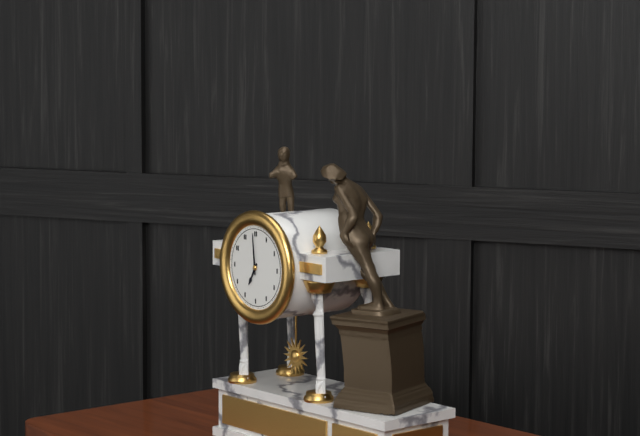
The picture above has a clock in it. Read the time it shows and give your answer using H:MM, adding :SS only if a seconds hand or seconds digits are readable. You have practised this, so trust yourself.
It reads 6:59
